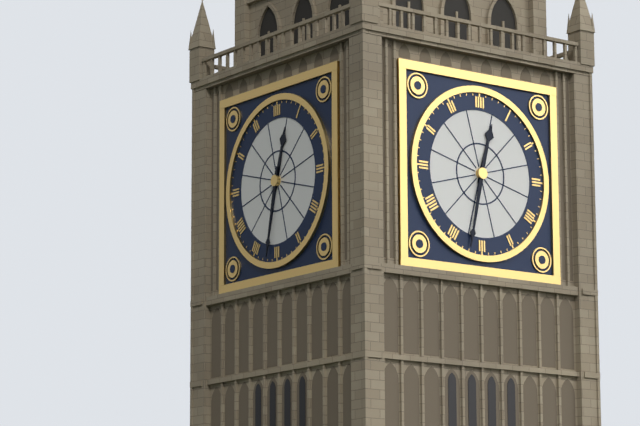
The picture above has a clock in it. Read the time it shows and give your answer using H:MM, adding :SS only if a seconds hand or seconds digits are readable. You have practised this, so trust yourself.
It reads 12:32
